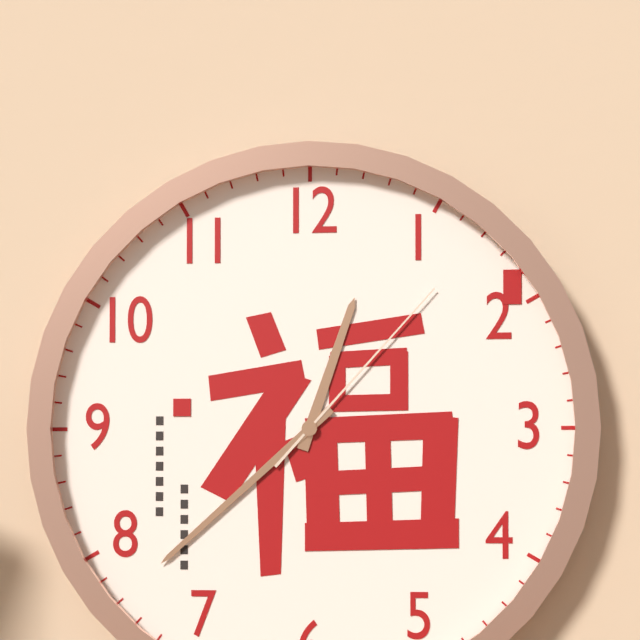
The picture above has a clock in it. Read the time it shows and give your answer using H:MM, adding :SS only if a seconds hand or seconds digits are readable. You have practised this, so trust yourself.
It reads 12:38:07
